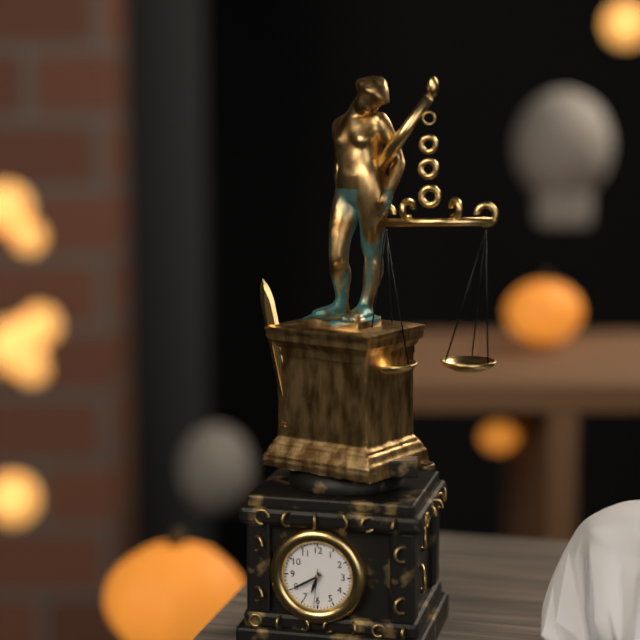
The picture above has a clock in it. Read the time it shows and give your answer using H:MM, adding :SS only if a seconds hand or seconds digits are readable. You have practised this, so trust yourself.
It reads 6:40
